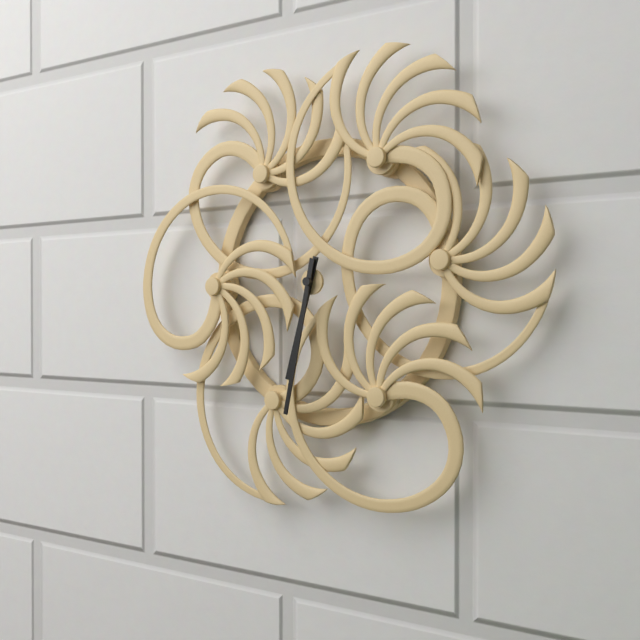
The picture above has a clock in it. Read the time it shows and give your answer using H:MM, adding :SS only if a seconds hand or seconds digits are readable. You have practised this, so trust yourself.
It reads 6:32
